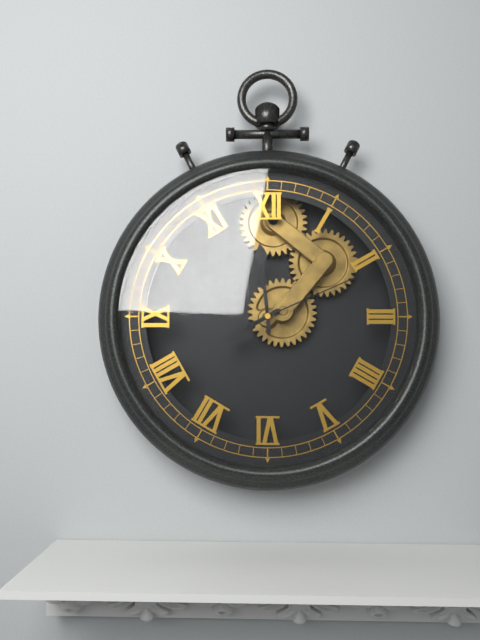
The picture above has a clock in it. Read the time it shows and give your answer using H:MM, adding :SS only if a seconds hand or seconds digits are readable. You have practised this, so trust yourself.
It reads 7:59:11
